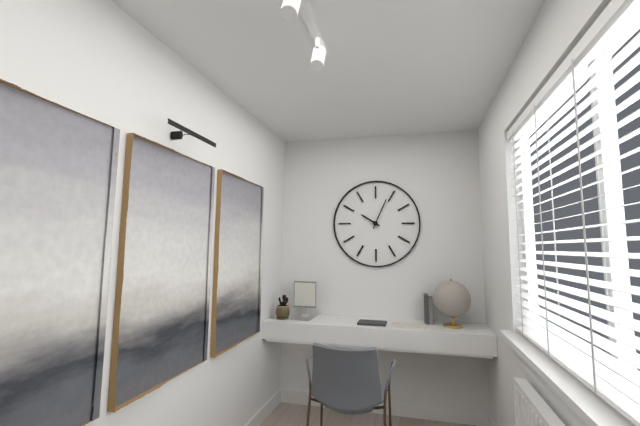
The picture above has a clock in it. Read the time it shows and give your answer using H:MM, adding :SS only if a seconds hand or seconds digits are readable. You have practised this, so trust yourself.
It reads 10:04
